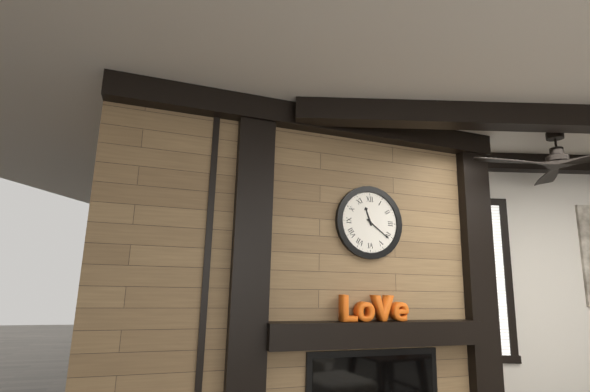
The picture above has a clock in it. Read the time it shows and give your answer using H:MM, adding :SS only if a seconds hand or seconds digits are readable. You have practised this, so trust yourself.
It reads 11:21
